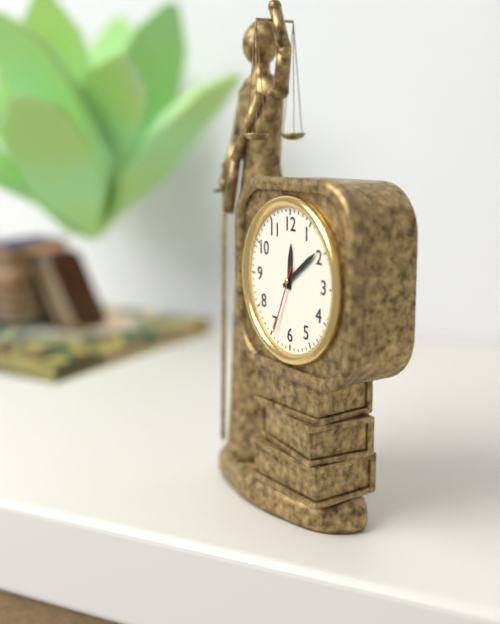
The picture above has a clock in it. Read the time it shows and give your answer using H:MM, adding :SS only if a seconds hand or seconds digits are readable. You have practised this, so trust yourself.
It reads 12:09:34
